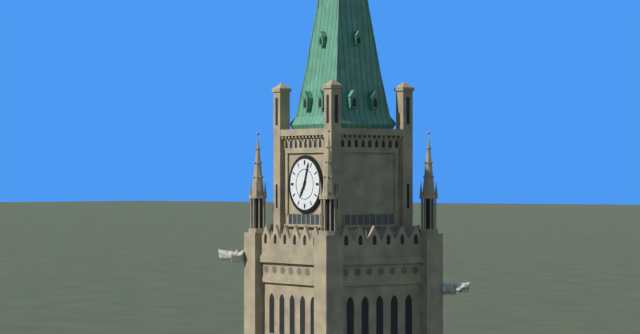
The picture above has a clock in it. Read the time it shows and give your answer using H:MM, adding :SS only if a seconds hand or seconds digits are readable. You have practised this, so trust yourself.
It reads 7:03
